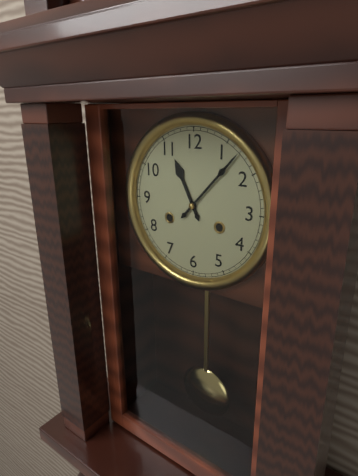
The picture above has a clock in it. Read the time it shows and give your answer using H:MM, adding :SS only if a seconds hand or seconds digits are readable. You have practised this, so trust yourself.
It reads 11:07
